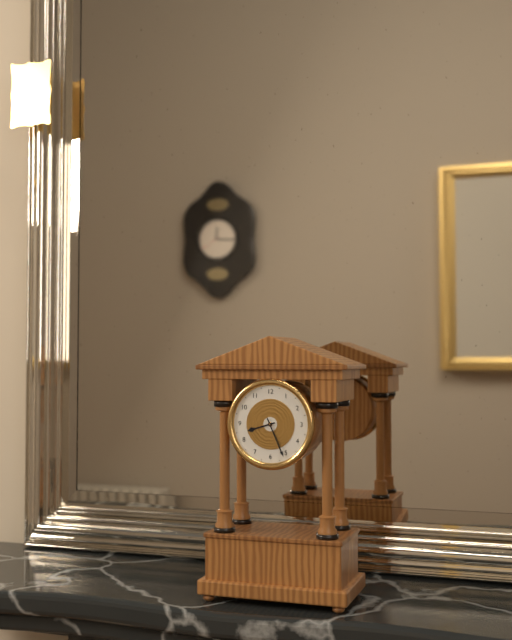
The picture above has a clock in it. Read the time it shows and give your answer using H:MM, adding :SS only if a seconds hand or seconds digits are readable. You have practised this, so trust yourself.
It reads 8:26
